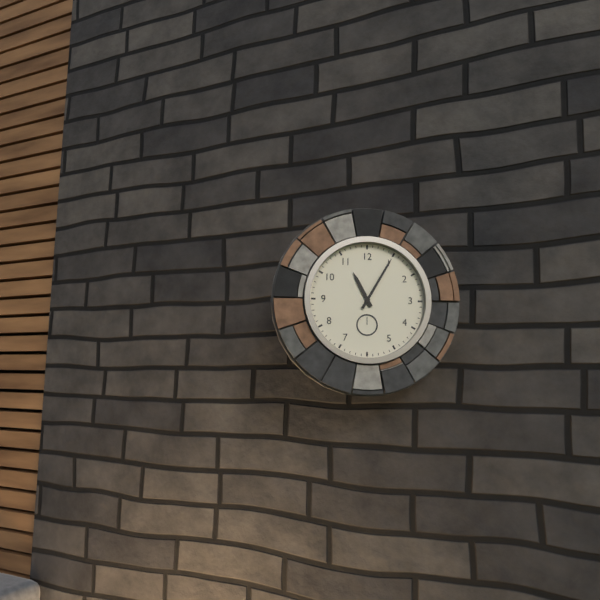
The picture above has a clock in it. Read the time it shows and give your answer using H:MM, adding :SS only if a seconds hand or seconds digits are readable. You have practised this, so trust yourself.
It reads 11:05
